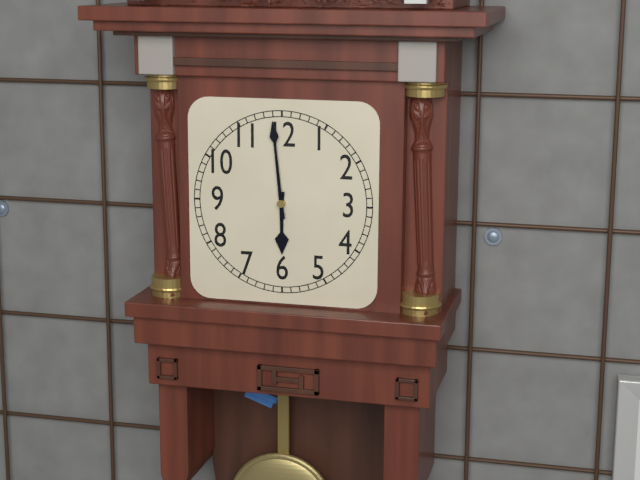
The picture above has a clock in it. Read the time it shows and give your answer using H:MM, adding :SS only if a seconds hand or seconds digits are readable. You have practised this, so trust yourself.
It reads 5:59
